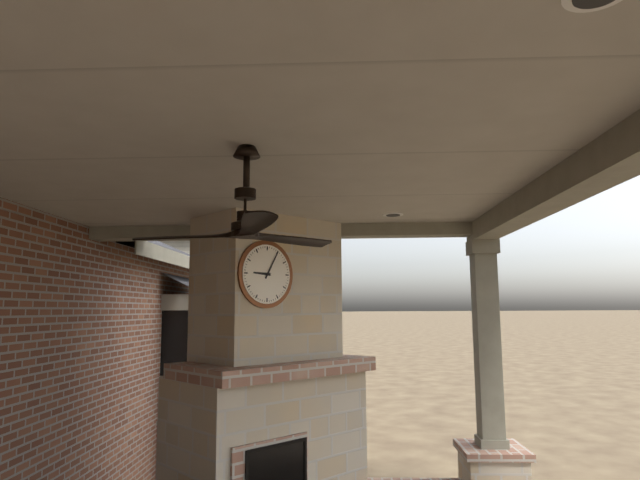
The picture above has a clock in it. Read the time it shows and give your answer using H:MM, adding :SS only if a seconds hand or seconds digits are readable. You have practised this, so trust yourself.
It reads 9:05
